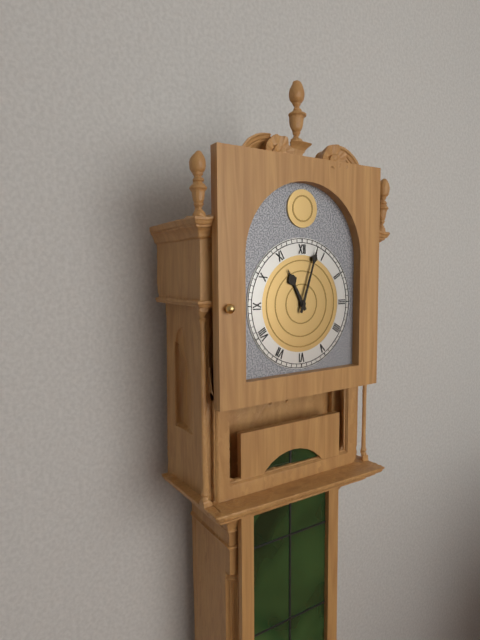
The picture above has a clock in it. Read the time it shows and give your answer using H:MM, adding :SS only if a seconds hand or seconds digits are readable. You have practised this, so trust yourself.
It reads 11:03
